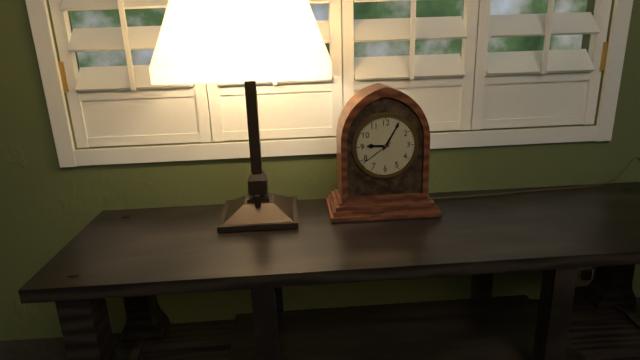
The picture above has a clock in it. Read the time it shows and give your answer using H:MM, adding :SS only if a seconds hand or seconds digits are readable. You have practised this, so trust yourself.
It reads 9:05
